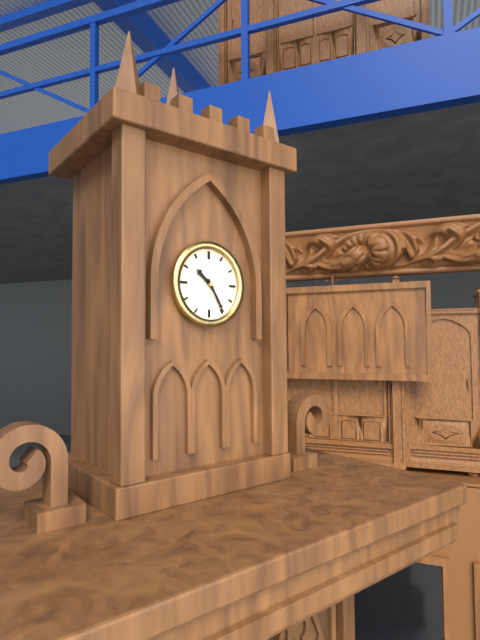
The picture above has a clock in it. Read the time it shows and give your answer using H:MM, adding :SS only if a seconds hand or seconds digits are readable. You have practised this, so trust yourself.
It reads 10:25
